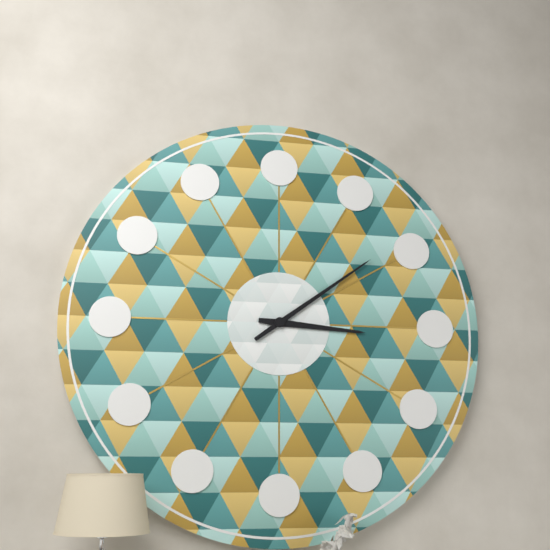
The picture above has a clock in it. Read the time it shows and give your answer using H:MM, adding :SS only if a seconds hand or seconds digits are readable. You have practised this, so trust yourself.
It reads 3:09
